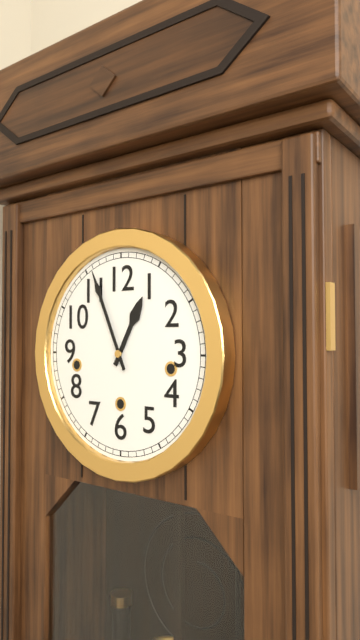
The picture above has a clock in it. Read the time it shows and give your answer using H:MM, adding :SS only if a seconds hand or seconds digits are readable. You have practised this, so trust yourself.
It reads 12:56
